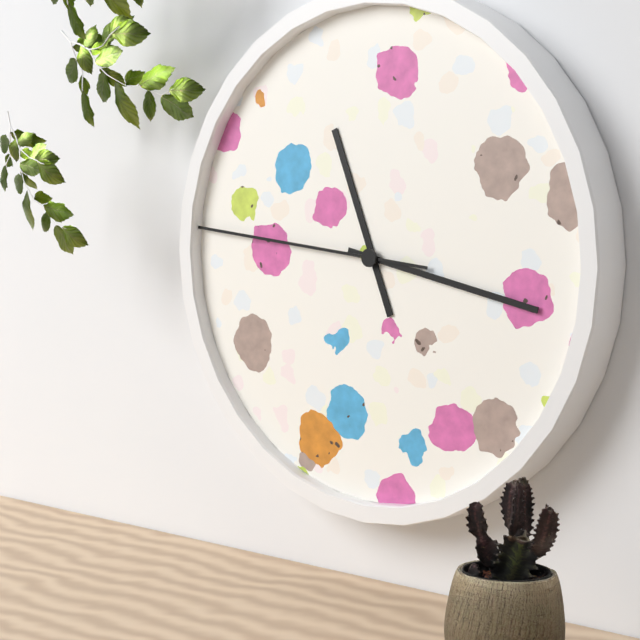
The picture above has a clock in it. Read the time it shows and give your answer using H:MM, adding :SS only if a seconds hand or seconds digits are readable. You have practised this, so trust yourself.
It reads 11:17:46
